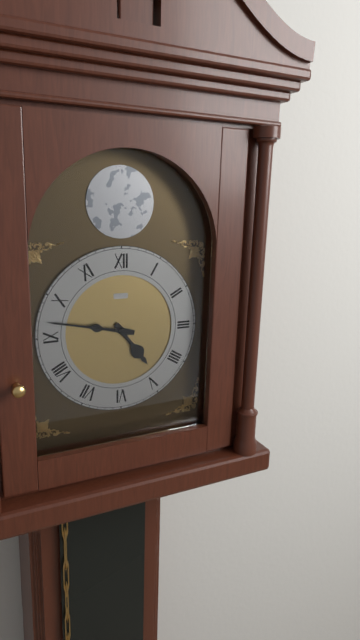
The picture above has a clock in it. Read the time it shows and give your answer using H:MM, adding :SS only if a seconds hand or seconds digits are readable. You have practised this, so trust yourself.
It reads 4:47
